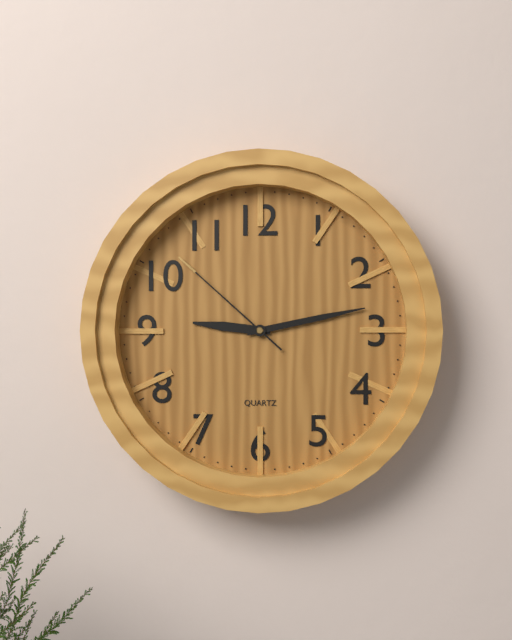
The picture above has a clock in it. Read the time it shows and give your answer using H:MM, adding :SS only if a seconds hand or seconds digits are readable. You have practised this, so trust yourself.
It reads 9:13:52
